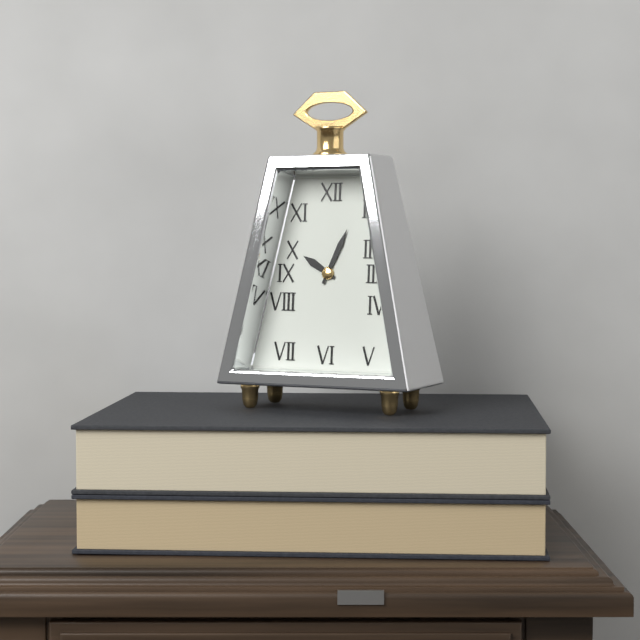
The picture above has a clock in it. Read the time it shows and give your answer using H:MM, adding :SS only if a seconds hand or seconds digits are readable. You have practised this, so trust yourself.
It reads 10:04
